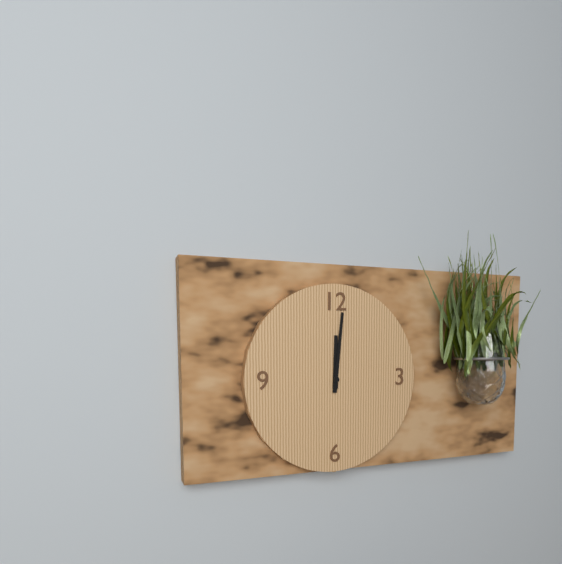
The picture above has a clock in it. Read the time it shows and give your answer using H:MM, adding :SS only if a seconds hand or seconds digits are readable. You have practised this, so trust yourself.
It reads 12:01
